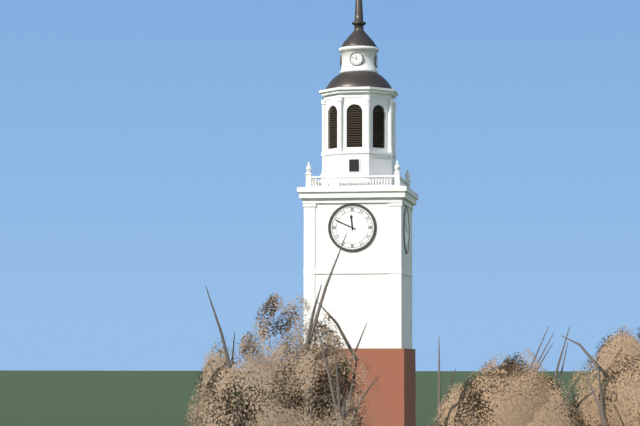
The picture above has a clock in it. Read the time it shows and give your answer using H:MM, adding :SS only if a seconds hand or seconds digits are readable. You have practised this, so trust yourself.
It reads 11:49
